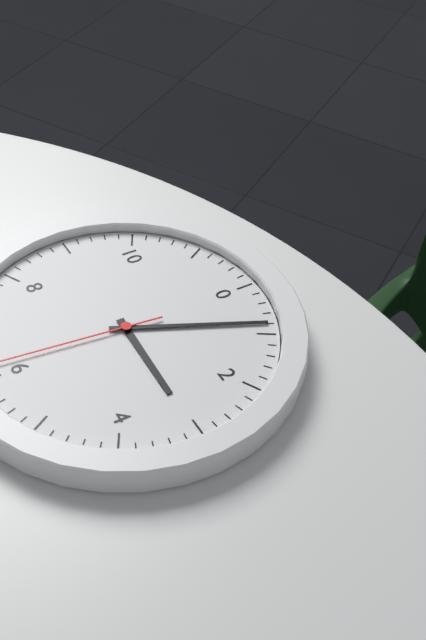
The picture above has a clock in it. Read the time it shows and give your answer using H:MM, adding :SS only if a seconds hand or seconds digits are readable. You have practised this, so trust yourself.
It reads 3:04
